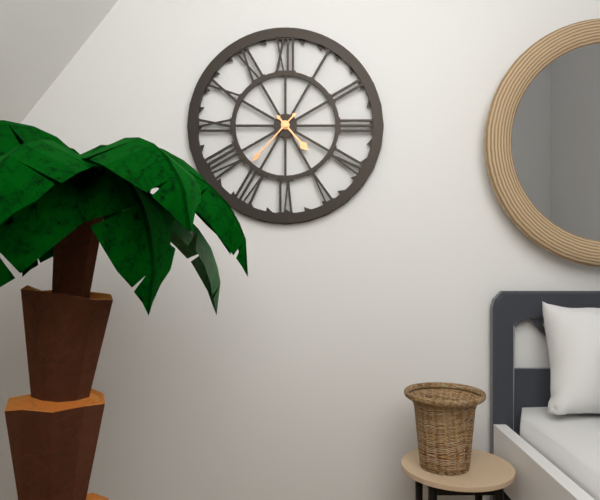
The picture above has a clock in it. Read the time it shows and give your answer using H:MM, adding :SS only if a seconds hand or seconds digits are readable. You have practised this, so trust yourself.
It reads 4:37
